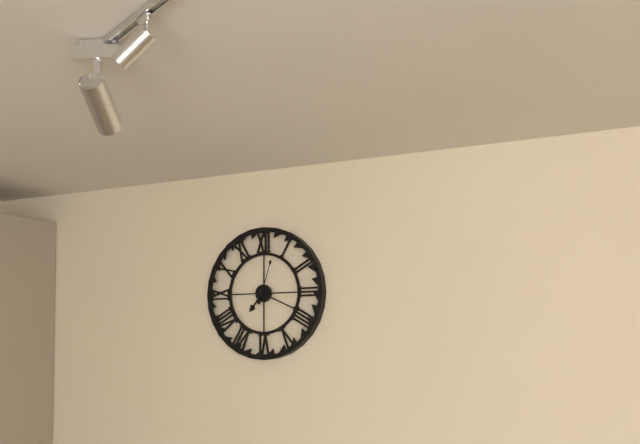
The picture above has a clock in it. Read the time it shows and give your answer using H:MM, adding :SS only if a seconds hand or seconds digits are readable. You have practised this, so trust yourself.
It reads 7:19
